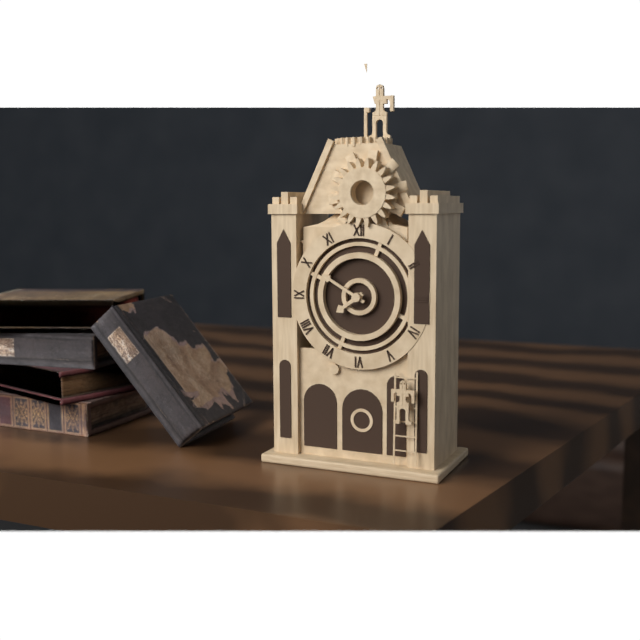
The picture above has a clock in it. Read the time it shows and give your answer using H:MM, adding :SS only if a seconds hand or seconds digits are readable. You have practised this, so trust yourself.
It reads 7:50
